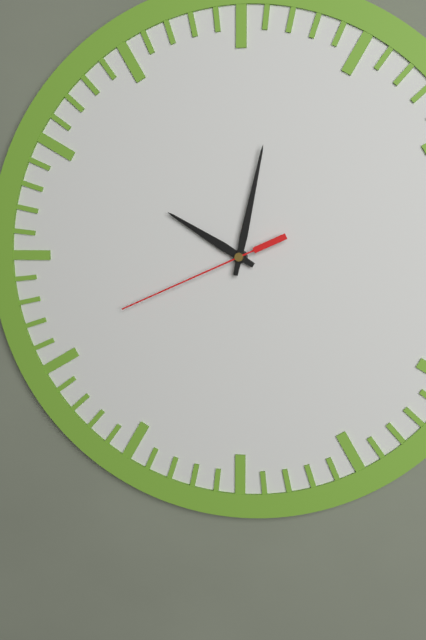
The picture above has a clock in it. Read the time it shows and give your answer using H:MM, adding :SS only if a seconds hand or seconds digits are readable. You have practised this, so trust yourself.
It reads 10:02:41
